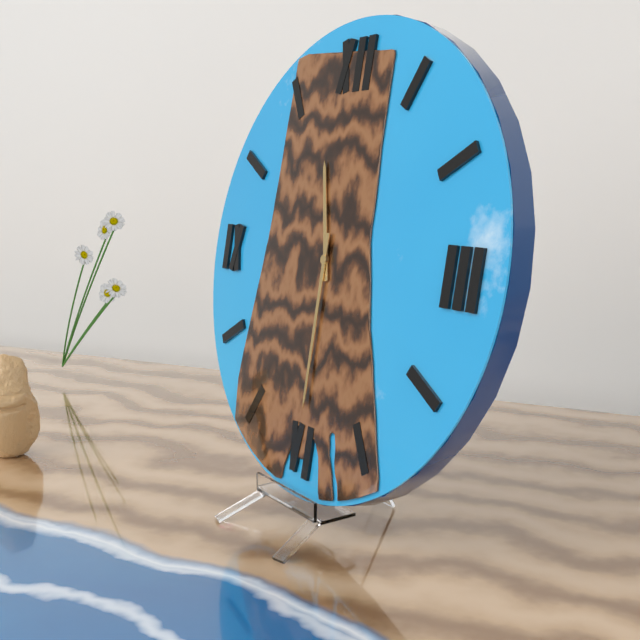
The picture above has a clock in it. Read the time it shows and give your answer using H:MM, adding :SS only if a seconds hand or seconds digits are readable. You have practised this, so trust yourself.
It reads 11:30
